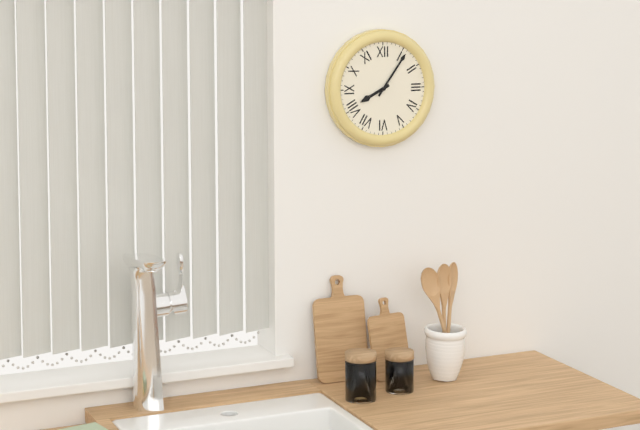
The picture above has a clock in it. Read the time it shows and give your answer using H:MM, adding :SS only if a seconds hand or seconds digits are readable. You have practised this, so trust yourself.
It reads 8:06
